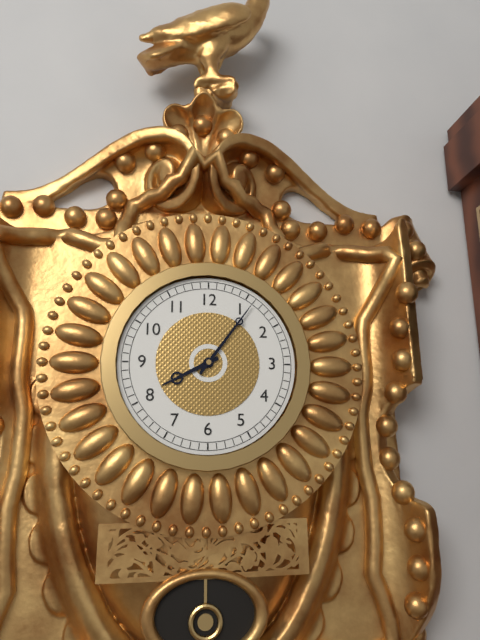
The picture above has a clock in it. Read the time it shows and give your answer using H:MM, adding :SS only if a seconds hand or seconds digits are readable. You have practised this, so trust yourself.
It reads 8:06
